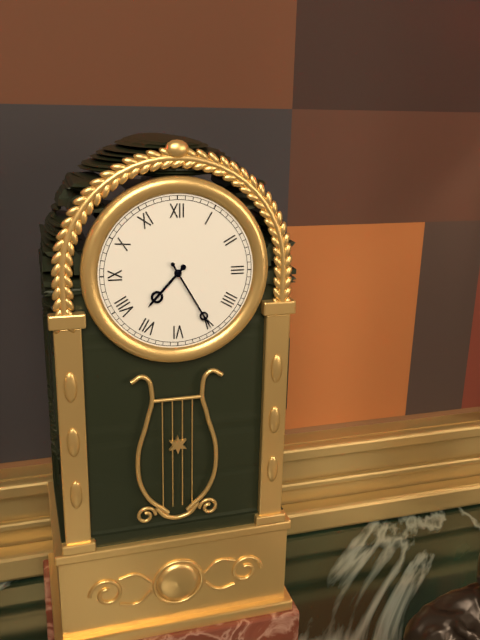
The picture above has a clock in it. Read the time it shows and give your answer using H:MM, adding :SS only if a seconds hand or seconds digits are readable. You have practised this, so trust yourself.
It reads 7:25
